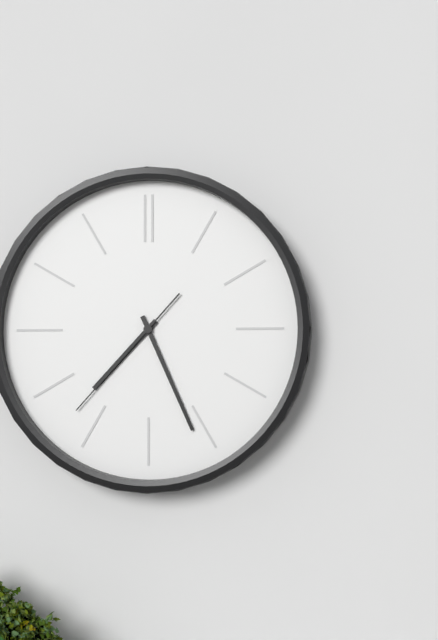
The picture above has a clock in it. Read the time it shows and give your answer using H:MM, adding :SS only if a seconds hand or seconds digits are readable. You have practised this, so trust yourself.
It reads 7:26:37
